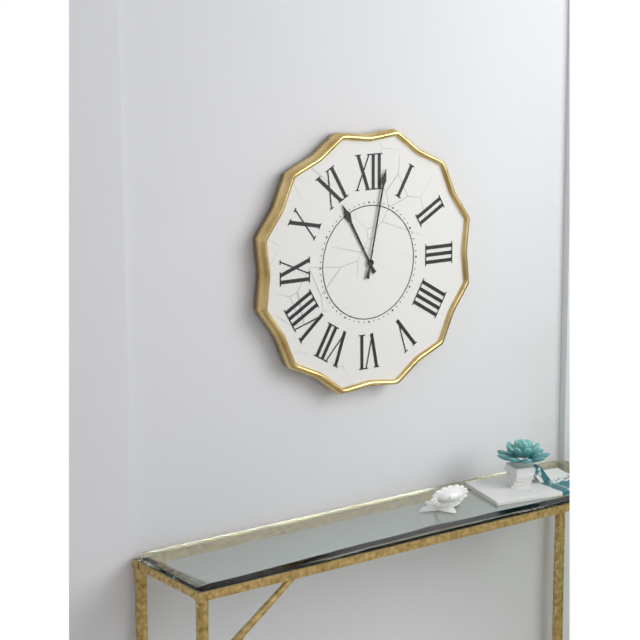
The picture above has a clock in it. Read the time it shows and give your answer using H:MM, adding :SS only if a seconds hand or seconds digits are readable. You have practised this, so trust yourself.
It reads 11:02
